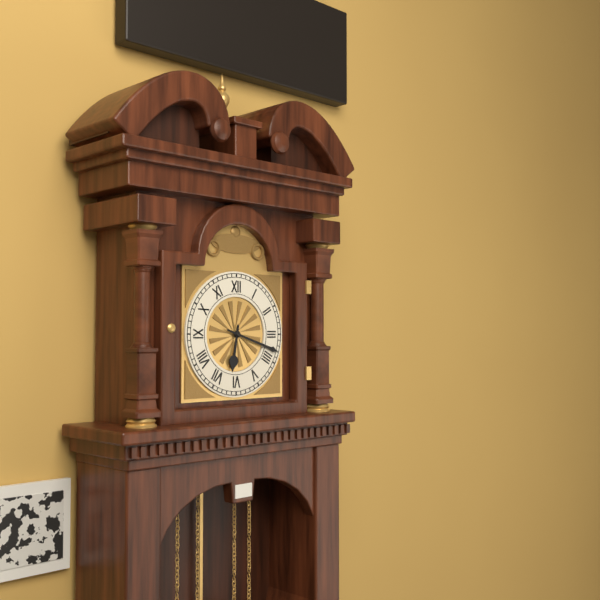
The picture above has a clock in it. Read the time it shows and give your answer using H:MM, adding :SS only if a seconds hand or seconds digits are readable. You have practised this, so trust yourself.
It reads 6:18
